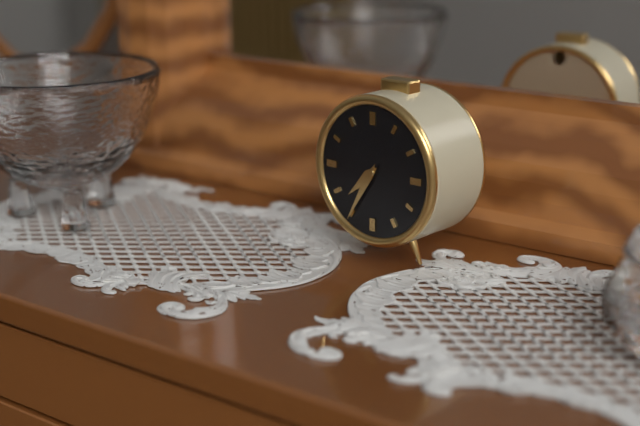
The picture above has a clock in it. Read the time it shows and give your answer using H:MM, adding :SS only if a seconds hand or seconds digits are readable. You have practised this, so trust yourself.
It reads 7:35
